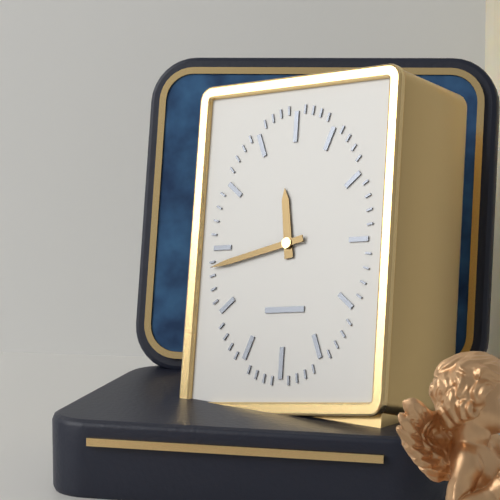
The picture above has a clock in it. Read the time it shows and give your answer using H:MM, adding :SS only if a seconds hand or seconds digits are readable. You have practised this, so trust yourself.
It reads 11:43
